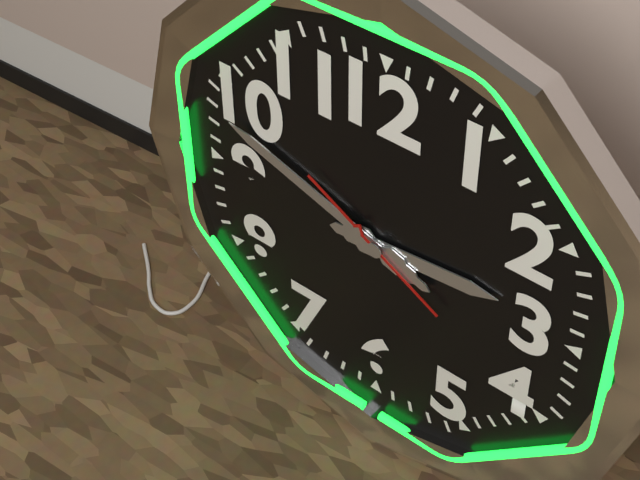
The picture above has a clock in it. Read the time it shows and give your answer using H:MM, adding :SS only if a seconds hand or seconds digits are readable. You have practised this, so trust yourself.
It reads 2:48:50
